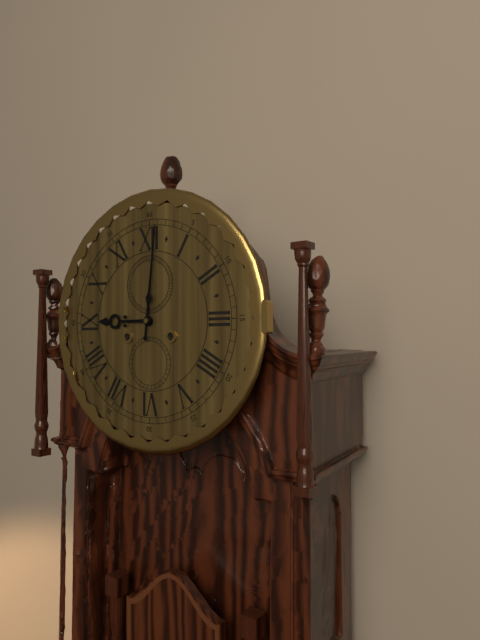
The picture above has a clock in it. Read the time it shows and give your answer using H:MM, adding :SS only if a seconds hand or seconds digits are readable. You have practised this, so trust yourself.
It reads 9:01
